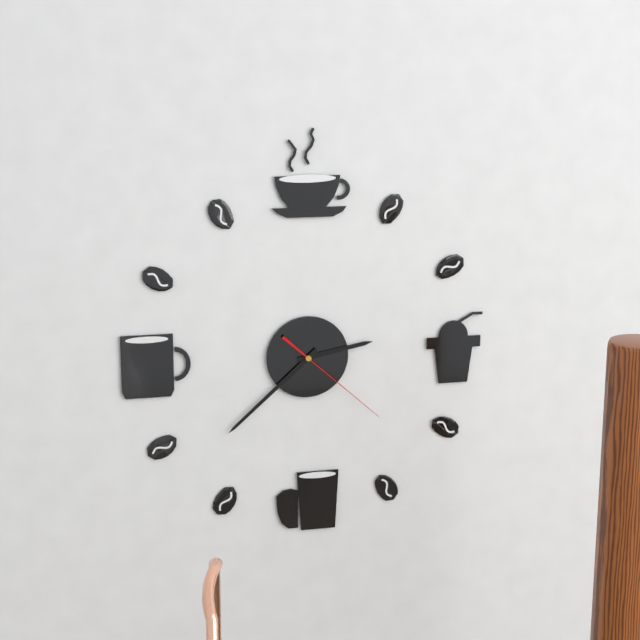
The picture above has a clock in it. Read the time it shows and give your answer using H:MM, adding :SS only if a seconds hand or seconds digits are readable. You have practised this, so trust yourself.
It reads 2:38:22
